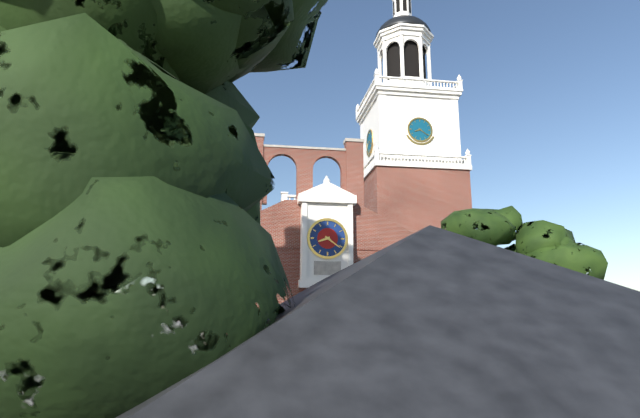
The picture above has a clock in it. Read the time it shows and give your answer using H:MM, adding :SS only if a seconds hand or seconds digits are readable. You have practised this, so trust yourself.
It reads 8:21
